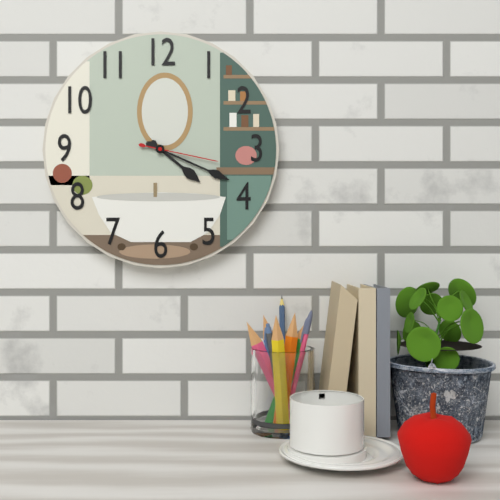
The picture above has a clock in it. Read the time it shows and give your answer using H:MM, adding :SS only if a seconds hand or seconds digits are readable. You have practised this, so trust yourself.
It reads 4:19:17
